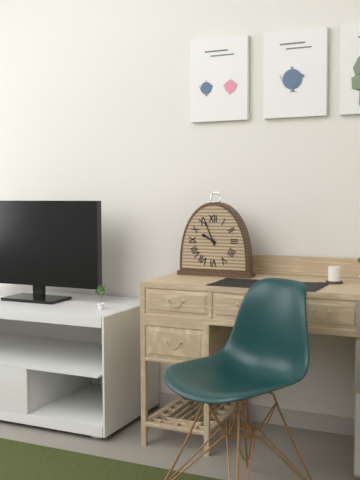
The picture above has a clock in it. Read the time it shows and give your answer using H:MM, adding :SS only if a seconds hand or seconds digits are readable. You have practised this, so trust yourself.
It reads 9:56
